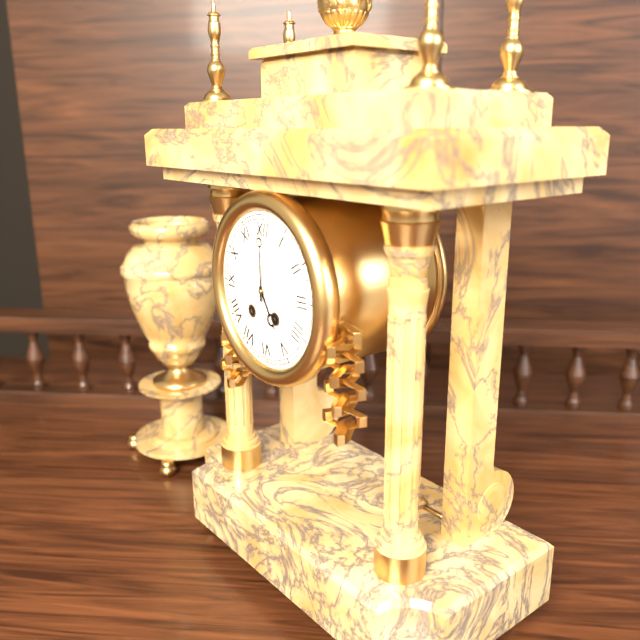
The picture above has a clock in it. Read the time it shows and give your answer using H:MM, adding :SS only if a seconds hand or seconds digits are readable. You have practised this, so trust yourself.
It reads 5:00
